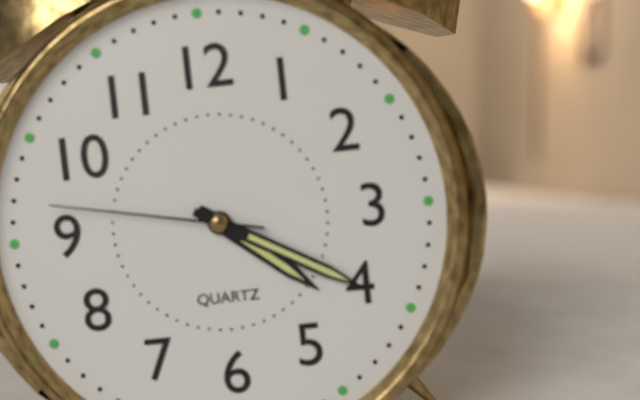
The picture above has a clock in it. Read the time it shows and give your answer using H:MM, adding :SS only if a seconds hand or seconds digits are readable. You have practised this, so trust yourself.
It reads 4:20:47
